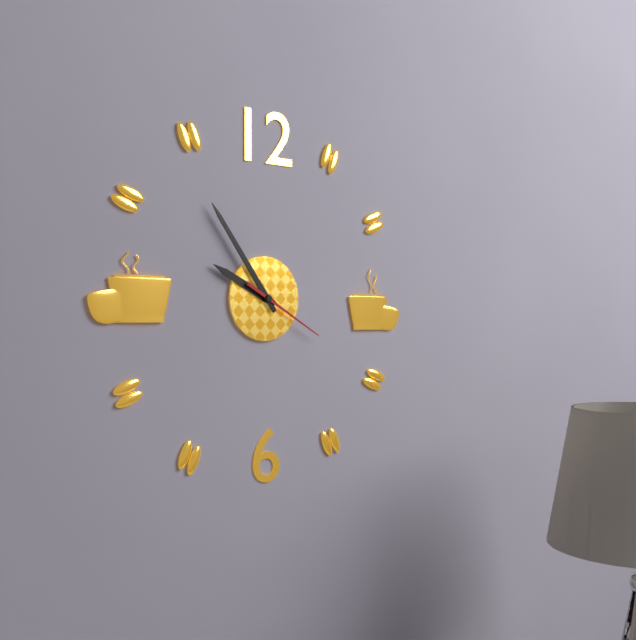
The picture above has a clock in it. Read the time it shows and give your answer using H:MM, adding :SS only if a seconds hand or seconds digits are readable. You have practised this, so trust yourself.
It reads 9:54:20
